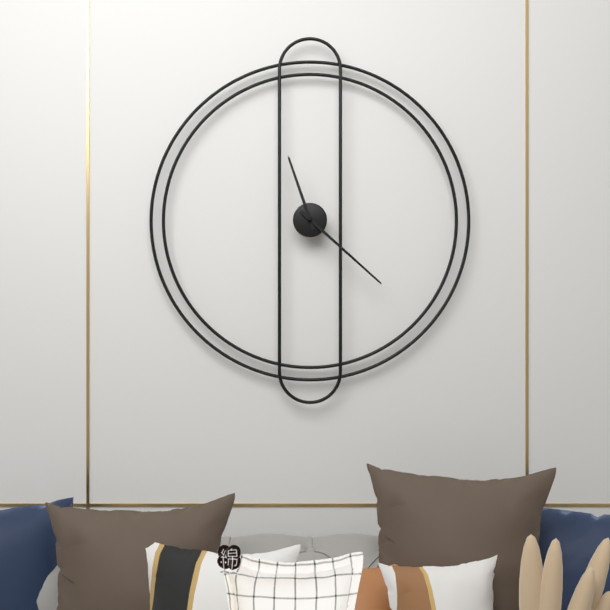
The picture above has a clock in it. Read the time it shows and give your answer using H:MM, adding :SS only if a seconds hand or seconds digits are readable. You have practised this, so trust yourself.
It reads 11:22
